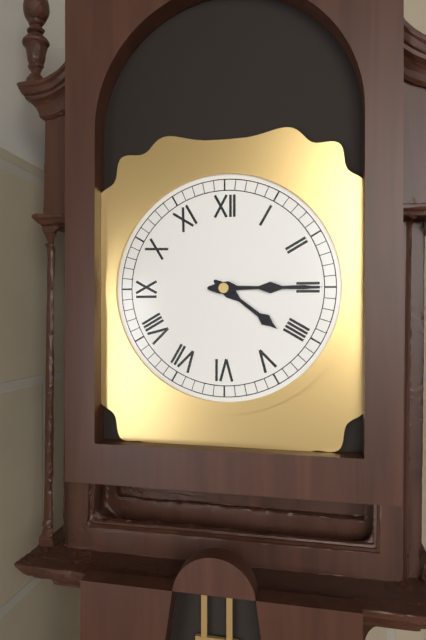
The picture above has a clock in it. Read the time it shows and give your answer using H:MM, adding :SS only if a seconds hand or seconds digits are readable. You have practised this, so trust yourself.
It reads 4:15
